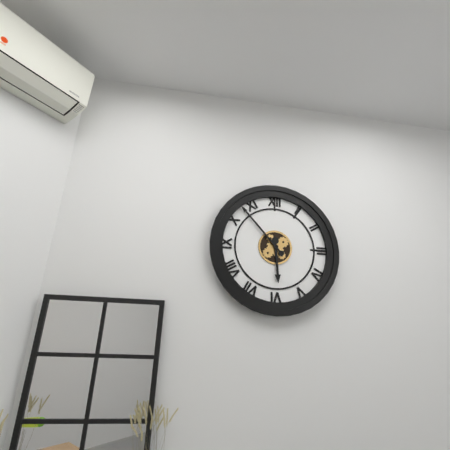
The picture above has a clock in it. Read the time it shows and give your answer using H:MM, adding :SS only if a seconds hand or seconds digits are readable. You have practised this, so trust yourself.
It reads 5:53
